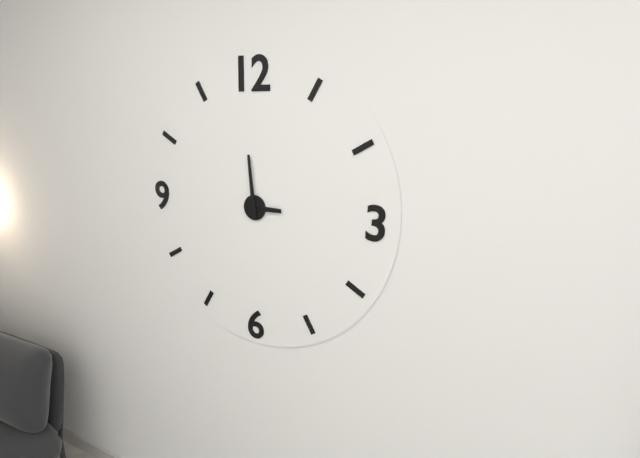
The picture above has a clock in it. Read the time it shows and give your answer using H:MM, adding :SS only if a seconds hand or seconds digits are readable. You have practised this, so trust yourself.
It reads 2:59
